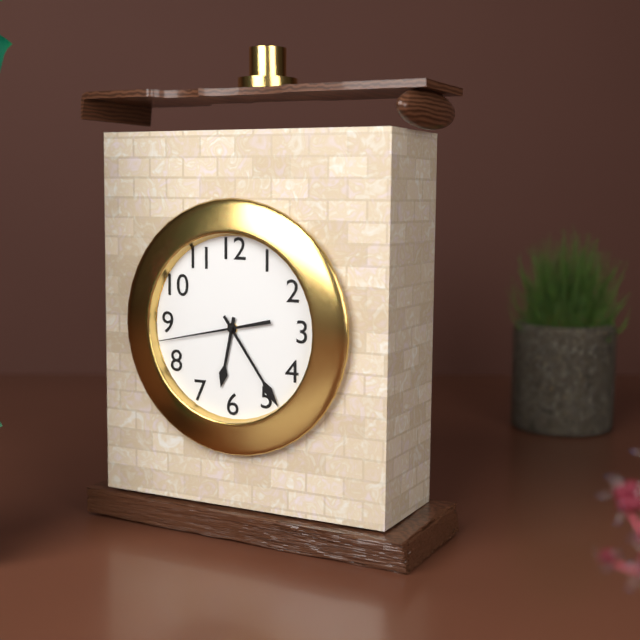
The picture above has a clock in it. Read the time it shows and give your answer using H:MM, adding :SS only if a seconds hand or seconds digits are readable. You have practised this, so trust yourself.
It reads 6:24:43
